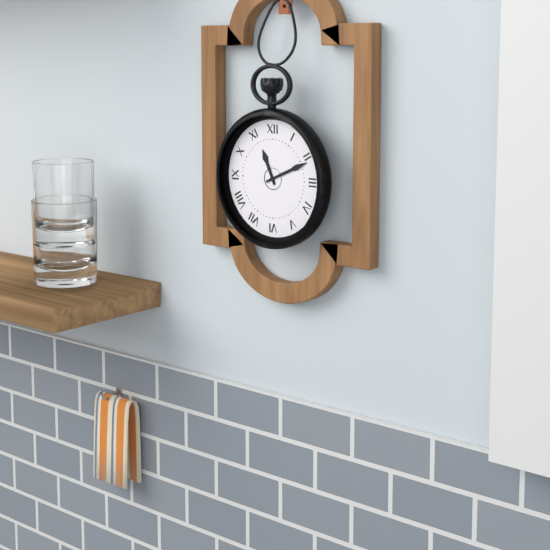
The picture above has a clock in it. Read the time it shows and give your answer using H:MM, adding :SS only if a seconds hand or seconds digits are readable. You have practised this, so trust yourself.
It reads 11:11
